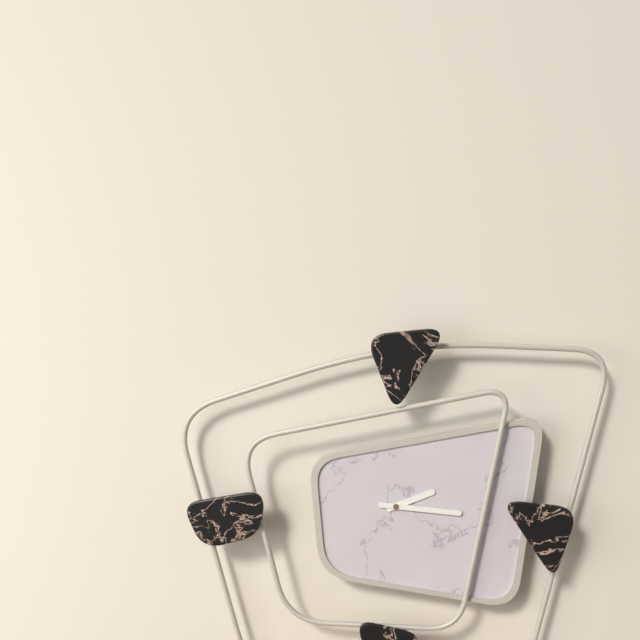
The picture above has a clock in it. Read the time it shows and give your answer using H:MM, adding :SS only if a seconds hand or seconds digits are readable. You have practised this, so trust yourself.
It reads 2:16
